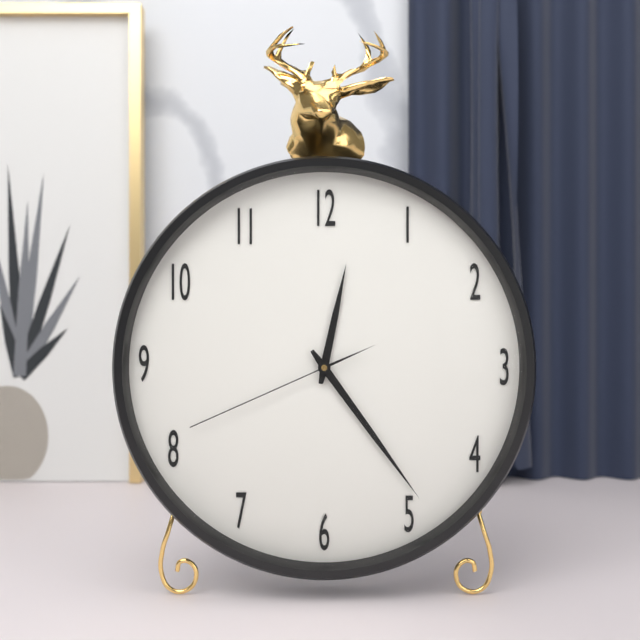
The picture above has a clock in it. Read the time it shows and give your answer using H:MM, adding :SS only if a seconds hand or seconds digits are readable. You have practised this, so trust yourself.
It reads 12:24:41
